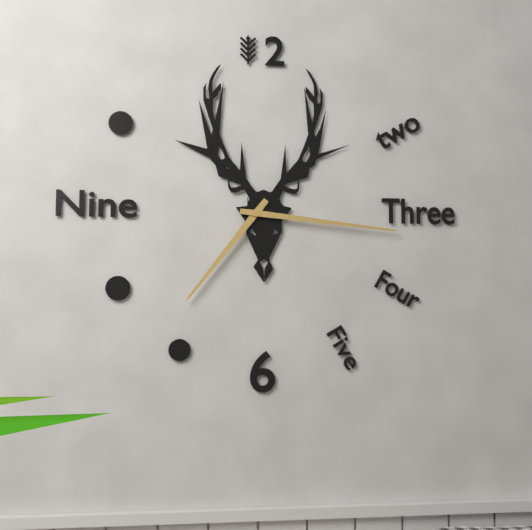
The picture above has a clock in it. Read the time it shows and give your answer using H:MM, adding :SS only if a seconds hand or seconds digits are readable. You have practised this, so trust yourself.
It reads 7:16
